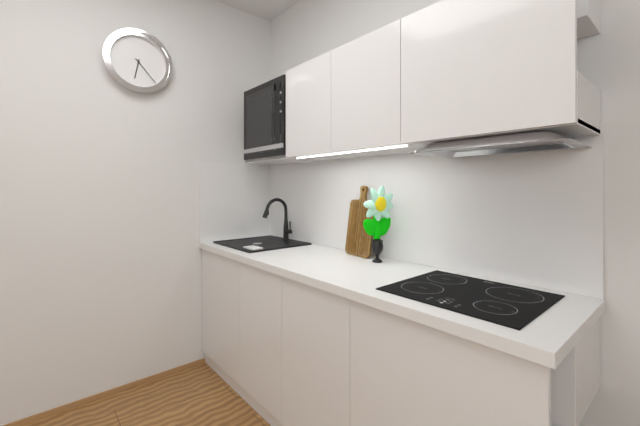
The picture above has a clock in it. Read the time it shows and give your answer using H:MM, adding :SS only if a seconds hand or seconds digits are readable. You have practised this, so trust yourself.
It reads 6:23
